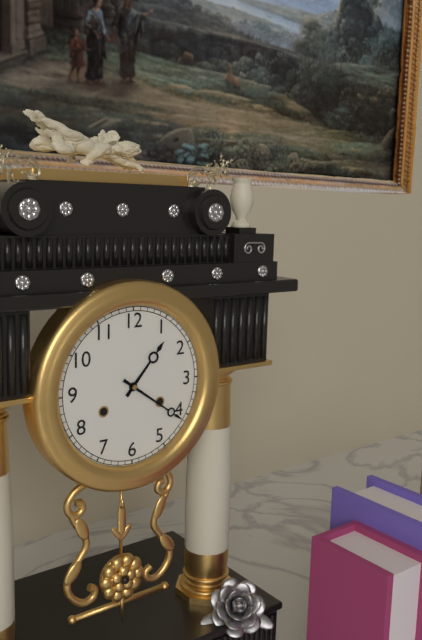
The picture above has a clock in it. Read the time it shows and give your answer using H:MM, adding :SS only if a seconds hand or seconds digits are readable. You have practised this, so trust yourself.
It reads 1:21
